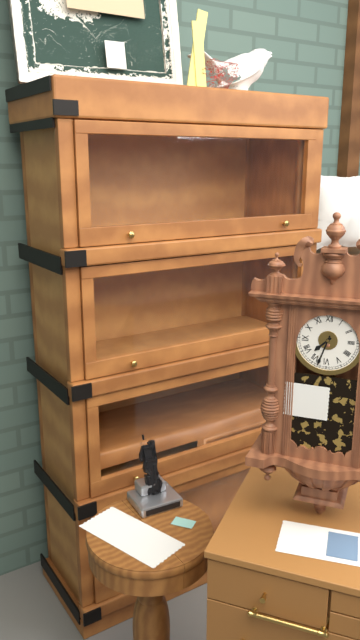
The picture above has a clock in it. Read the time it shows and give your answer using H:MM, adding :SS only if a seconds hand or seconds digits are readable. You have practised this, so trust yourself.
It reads 7:33
